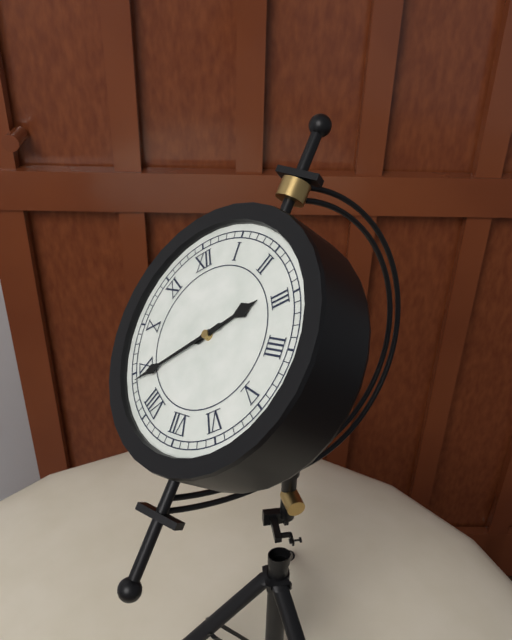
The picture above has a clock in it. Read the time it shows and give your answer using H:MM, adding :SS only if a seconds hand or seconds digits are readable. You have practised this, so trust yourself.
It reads 2:44
